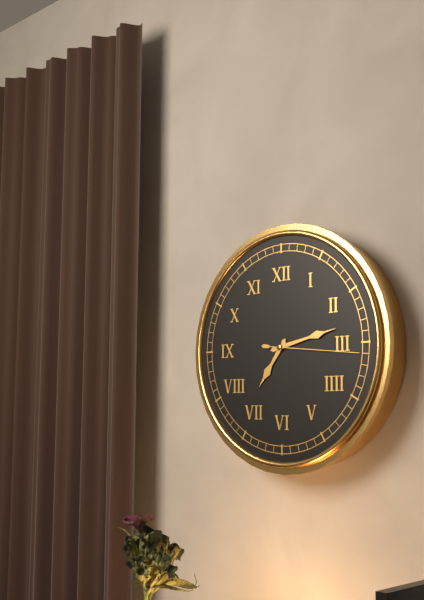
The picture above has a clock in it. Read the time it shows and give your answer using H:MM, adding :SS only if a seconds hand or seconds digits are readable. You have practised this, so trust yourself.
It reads 7:13:16
